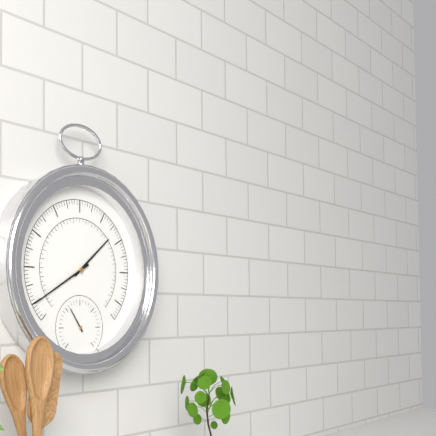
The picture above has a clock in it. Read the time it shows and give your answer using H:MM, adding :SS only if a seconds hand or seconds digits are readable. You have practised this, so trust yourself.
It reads 1:40
